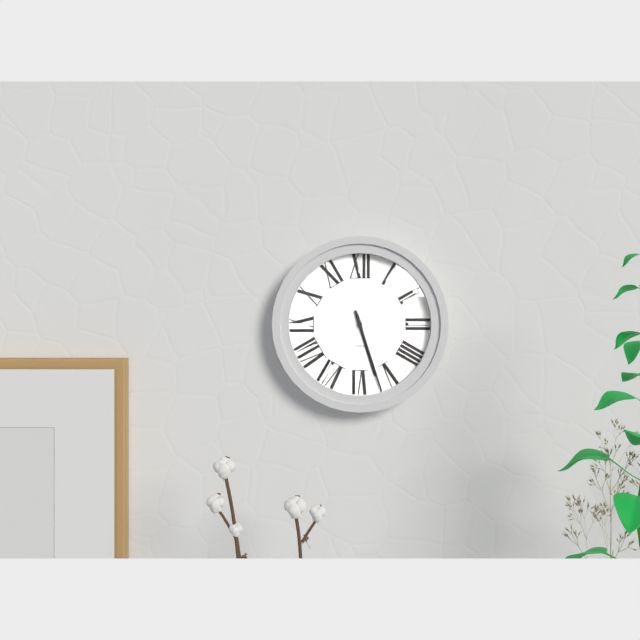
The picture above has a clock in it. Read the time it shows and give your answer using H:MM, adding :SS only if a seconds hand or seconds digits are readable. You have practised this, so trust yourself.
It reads 5:27
